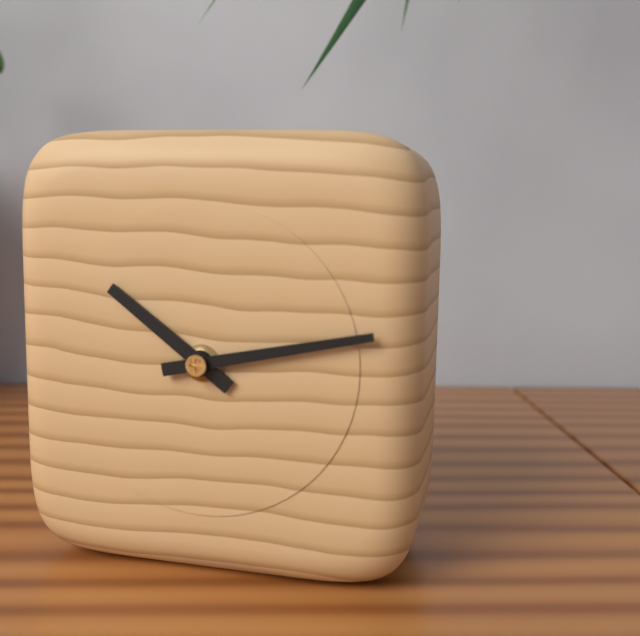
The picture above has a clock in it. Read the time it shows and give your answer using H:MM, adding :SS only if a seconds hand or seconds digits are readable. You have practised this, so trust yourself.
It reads 10:13
